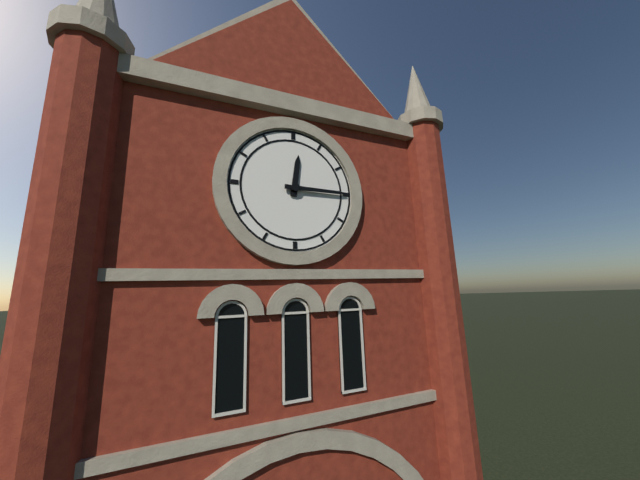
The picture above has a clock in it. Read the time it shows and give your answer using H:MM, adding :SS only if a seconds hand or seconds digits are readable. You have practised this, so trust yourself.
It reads 12:15
